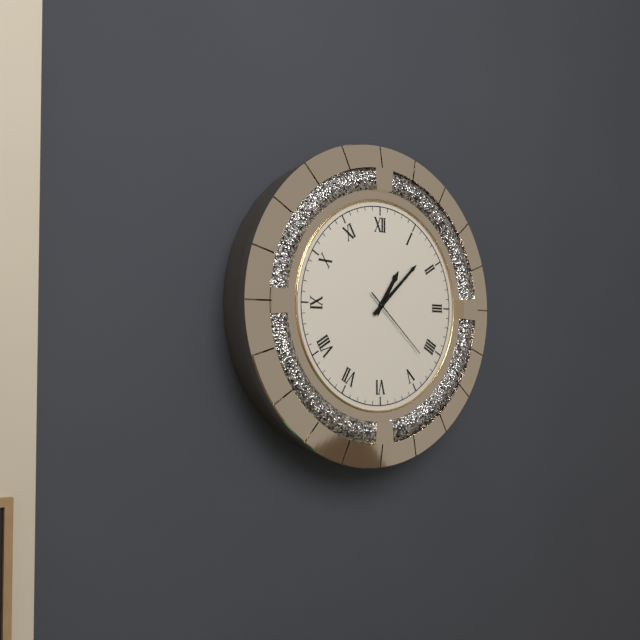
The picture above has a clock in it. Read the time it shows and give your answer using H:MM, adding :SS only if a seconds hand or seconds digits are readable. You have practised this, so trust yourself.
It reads 1:08:22
